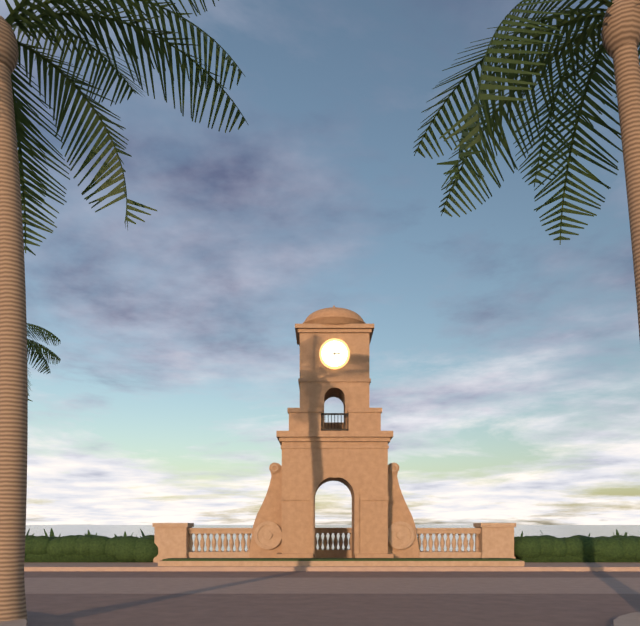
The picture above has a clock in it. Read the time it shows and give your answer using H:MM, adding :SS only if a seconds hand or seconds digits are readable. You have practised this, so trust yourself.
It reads 2:58
